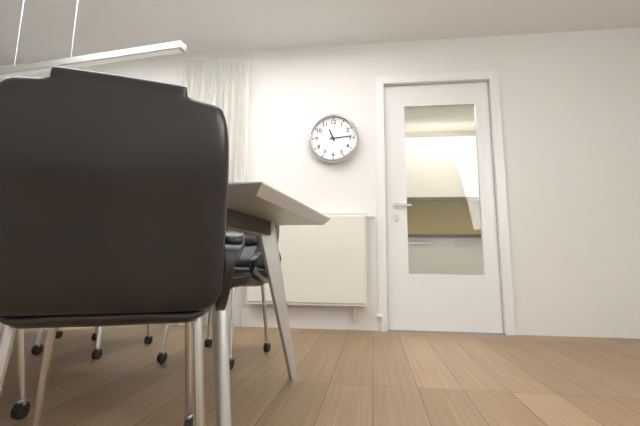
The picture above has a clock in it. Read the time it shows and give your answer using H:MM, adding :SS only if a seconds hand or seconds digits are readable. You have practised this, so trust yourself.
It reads 11:14
